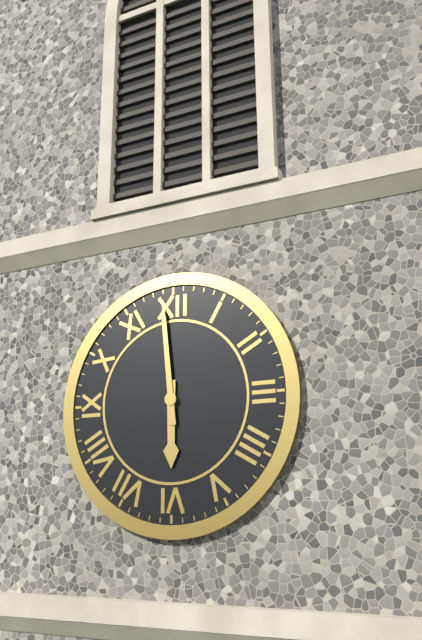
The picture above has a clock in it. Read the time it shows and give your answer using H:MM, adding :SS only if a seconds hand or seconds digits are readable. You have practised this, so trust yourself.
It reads 5:59
